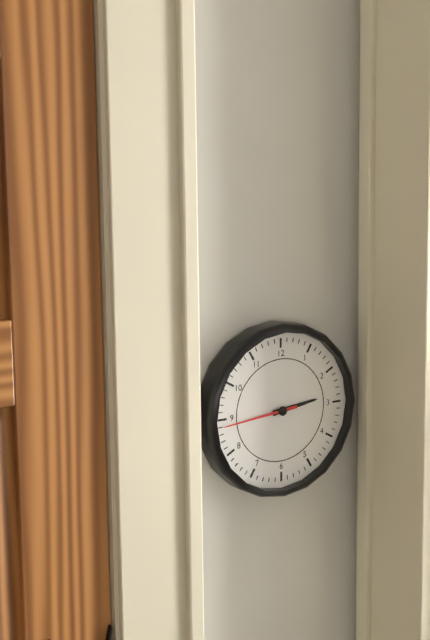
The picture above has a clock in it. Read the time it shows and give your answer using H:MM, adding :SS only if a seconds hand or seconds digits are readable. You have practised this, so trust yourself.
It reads 2:44
